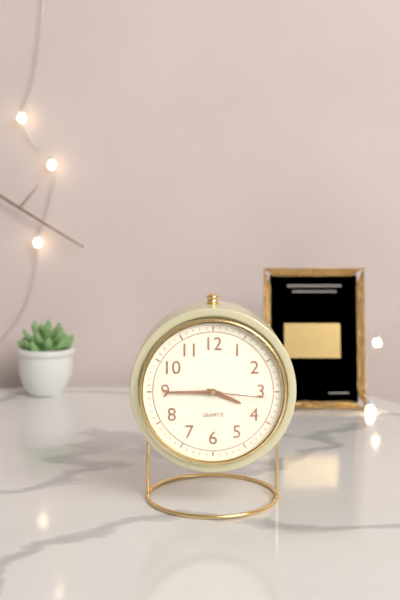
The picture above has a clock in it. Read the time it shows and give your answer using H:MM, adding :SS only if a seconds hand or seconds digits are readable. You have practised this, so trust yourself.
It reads 3:45:16
